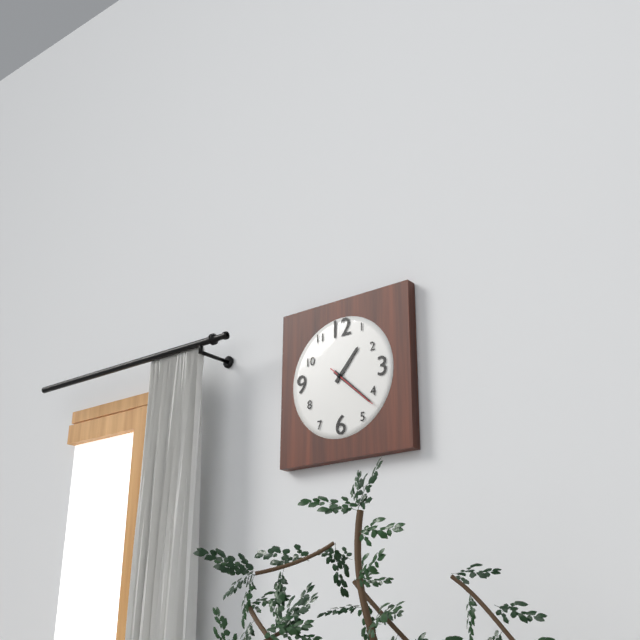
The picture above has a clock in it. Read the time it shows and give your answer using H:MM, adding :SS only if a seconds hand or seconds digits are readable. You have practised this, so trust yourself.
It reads 1:22:22
